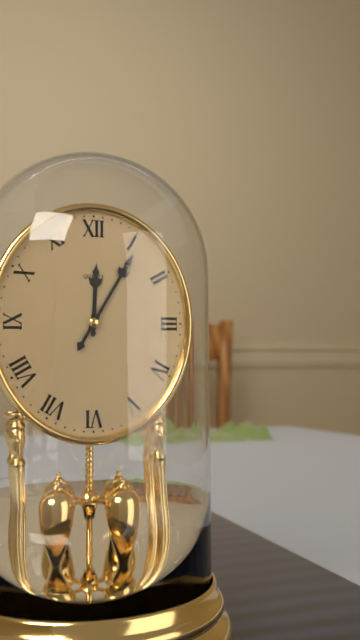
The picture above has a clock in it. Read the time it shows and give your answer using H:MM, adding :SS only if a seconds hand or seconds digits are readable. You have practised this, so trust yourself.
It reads 12:05
